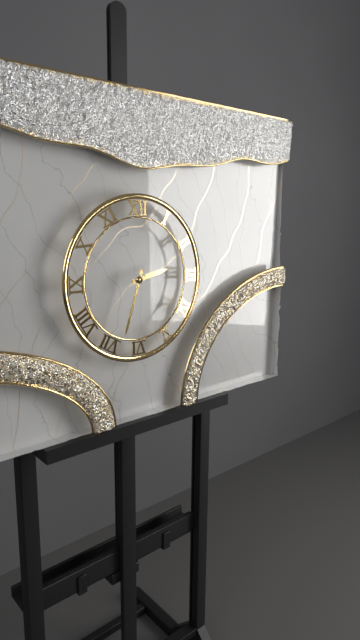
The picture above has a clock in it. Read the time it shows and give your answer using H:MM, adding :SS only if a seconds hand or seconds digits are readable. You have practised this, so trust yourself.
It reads 2:33
